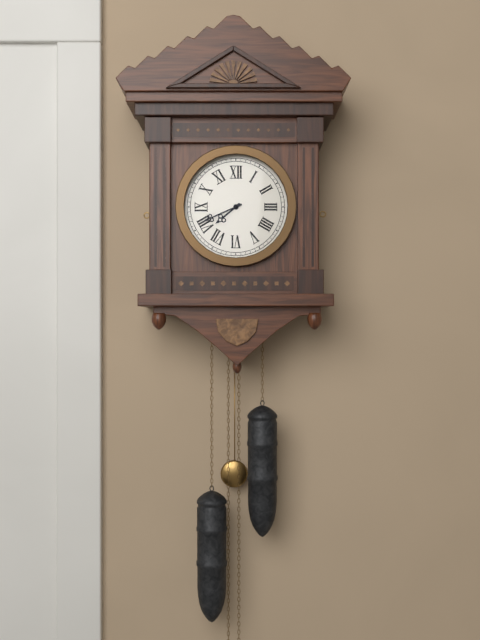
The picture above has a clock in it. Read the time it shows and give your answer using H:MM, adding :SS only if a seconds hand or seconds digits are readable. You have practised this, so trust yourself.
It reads 7:41
